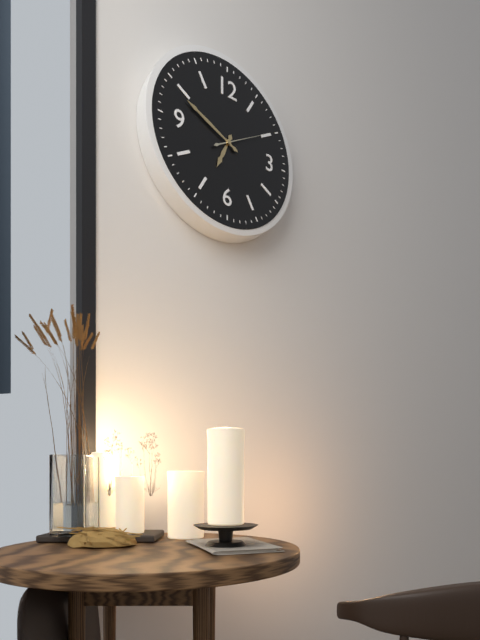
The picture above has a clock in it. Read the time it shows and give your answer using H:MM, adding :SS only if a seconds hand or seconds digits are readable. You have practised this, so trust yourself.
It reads 6:49:10
